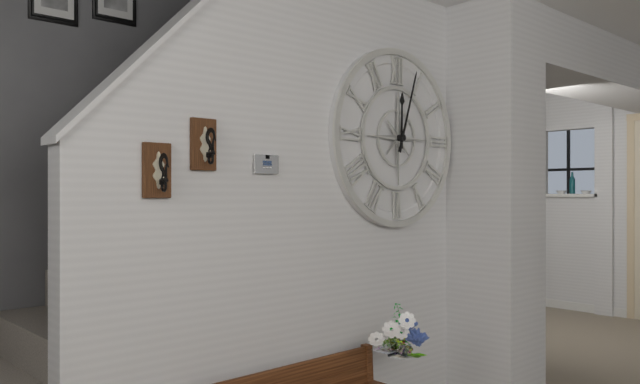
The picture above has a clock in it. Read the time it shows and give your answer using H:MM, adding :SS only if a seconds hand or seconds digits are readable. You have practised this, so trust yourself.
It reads 12:03
